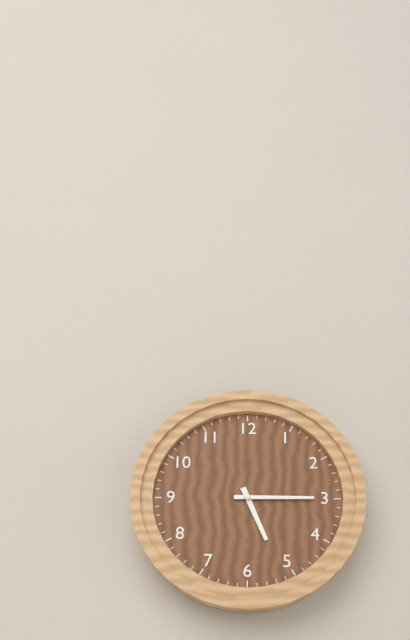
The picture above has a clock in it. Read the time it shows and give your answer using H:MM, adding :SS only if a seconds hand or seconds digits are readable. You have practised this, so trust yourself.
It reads 5:15
